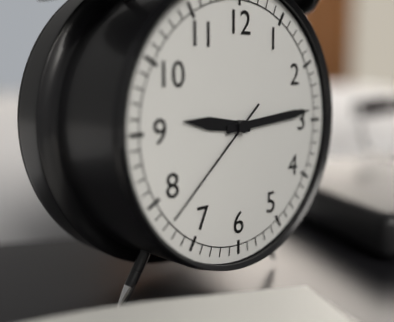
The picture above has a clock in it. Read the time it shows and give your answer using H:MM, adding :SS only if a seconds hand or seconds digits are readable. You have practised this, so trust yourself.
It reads 9:14:38
